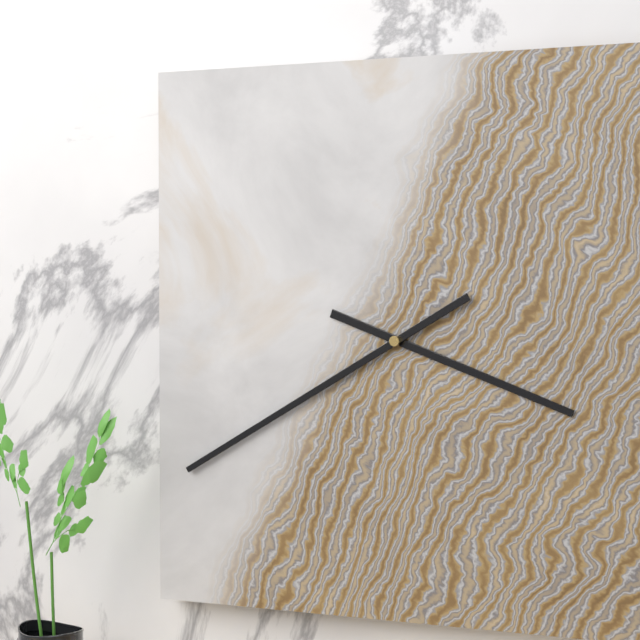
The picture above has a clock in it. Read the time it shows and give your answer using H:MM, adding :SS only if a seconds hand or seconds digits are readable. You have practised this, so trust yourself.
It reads 3:40
